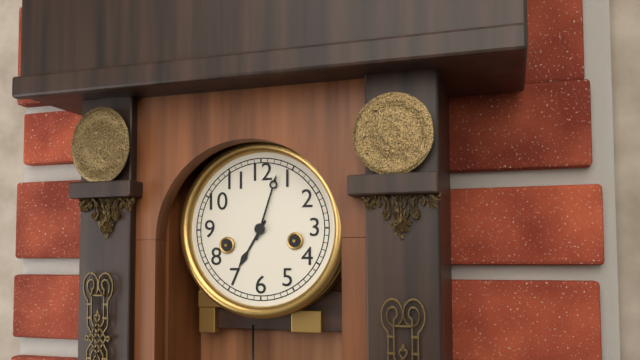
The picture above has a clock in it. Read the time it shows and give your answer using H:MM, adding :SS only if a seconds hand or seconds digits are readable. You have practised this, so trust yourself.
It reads 7:03
